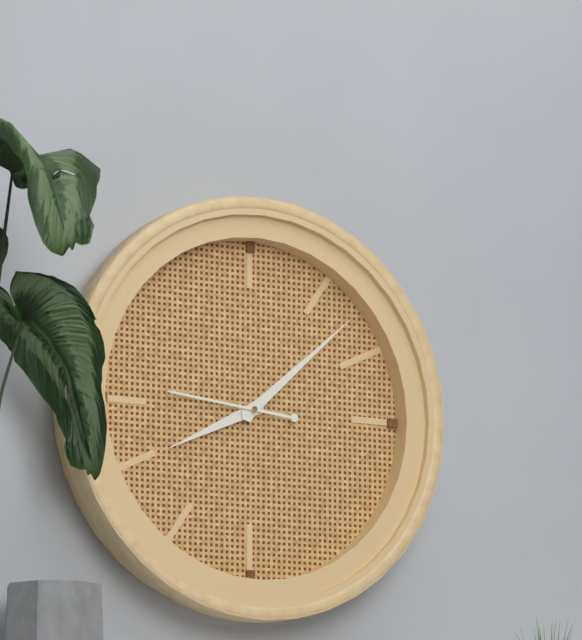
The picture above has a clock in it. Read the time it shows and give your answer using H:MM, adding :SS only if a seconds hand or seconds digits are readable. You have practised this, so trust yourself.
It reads 8:08:46
